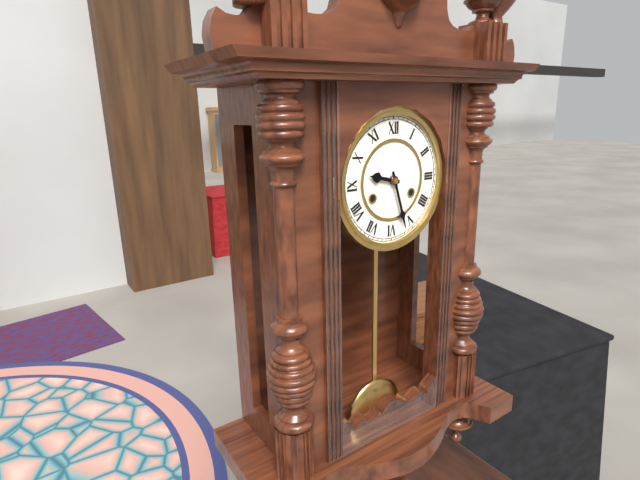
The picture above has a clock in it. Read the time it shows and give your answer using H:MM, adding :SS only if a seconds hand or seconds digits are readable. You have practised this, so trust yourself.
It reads 9:27
